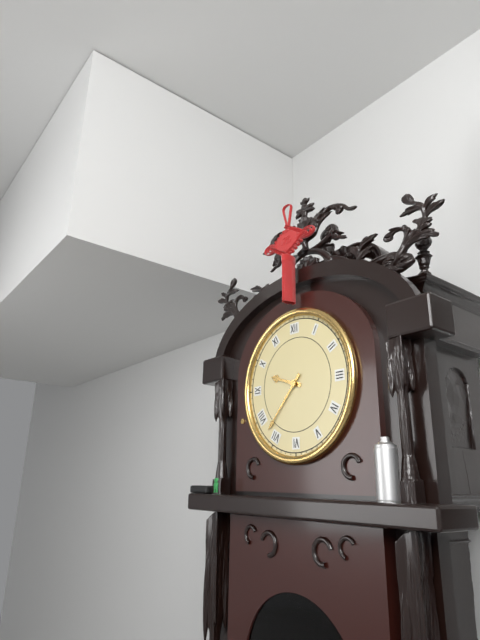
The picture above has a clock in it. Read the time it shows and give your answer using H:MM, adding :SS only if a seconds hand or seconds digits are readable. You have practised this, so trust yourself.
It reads 9:37
